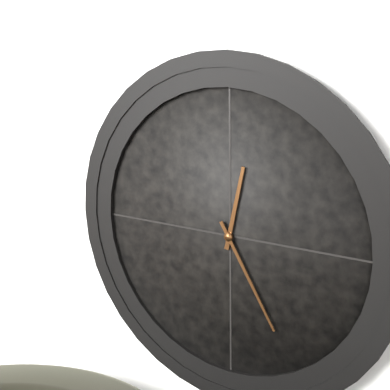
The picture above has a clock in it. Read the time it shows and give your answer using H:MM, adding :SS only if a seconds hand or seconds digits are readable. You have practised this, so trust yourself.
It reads 12:25
